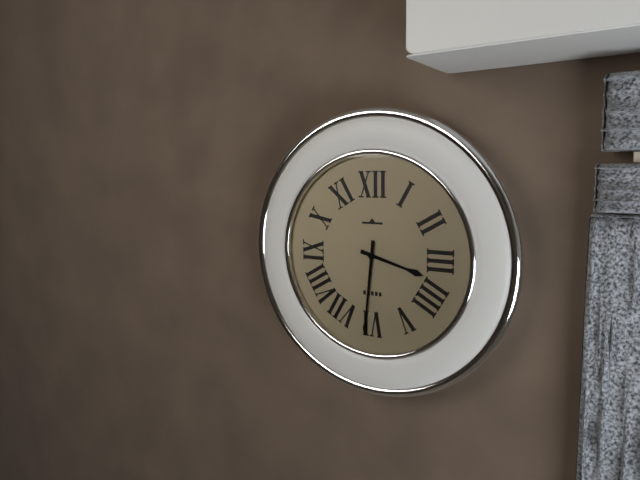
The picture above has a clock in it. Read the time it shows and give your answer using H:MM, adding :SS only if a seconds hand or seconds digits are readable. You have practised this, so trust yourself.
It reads 3:31
